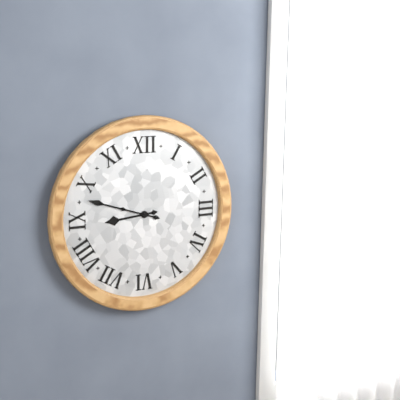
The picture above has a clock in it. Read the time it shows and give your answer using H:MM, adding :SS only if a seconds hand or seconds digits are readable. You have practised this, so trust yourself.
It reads 8:48
